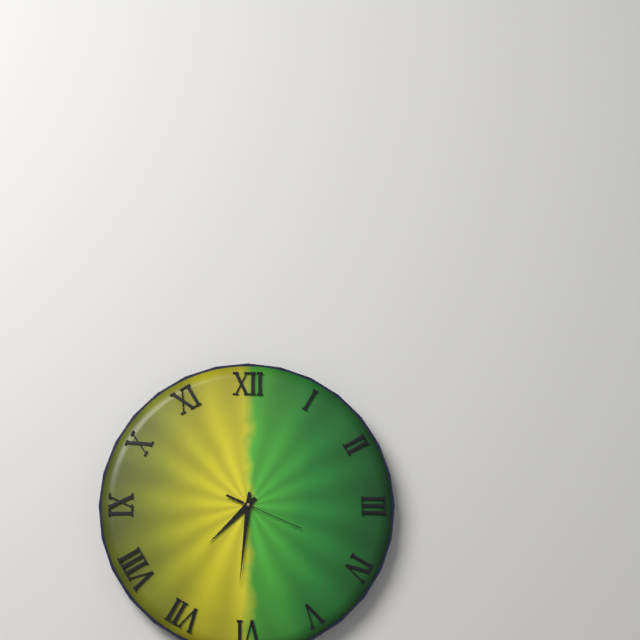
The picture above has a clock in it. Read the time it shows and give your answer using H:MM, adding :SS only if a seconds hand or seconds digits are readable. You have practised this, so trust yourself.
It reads 7:31:19
